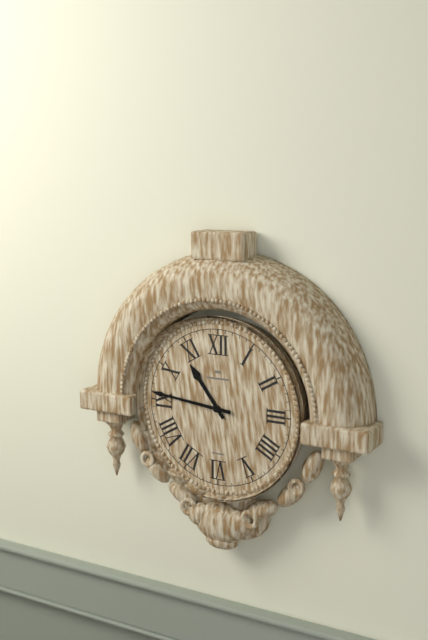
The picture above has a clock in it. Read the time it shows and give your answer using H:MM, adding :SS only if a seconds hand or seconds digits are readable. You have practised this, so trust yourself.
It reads 10:46
